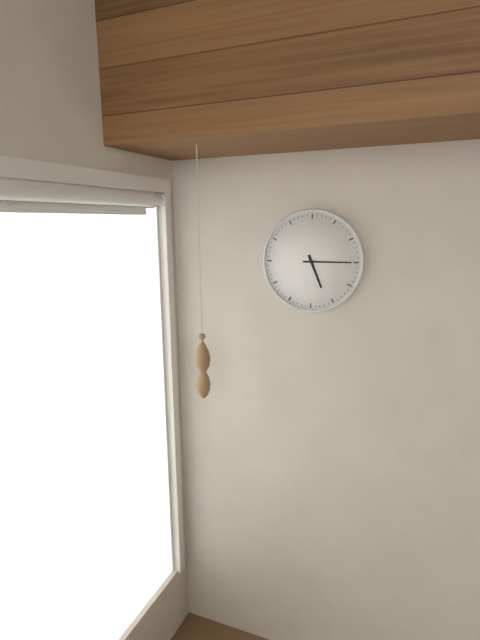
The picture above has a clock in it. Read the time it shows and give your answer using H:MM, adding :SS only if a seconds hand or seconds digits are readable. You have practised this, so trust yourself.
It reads 5:15
